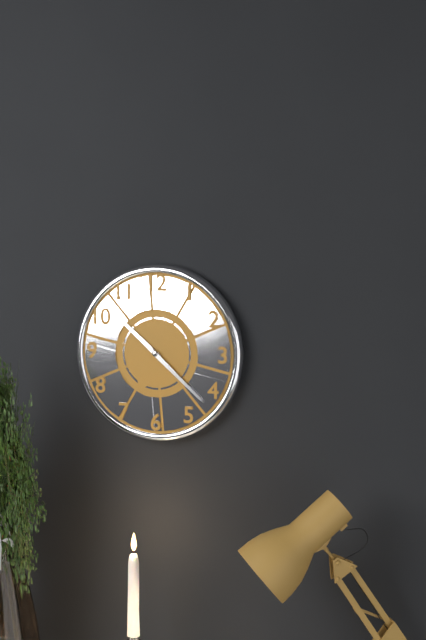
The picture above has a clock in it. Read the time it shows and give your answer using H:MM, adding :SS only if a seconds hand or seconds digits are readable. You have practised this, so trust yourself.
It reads 10:22
